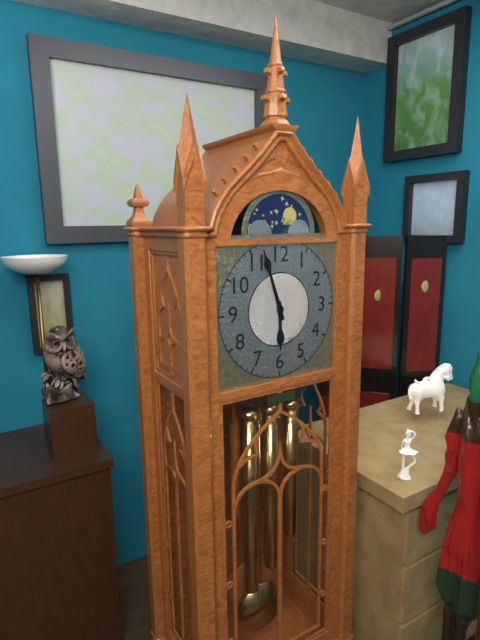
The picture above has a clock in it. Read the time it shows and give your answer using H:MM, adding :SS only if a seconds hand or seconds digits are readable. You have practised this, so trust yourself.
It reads 5:57
